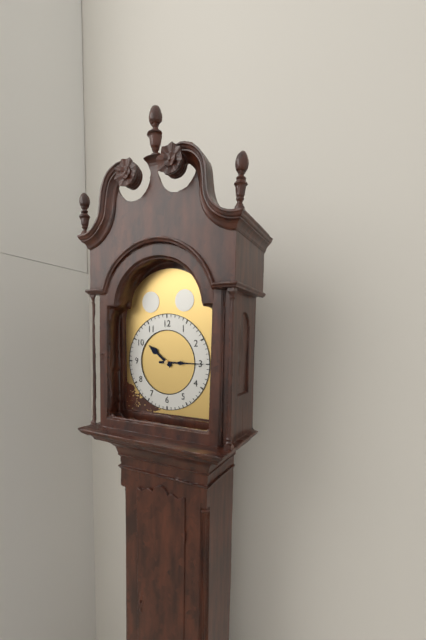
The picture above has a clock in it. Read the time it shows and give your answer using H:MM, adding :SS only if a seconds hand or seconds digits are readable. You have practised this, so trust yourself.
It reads 10:15
